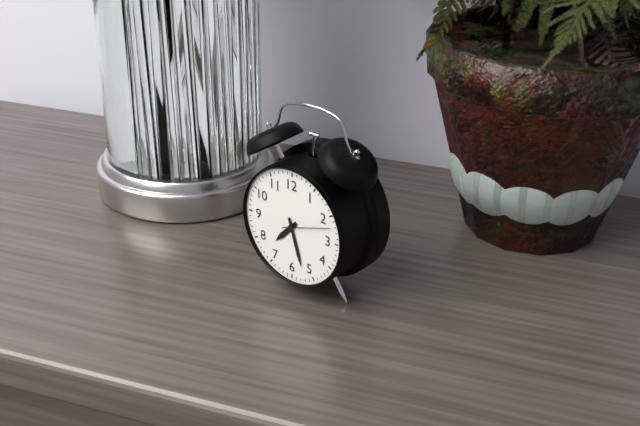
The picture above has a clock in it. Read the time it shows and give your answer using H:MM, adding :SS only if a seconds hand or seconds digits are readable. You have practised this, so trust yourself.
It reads 7:27
